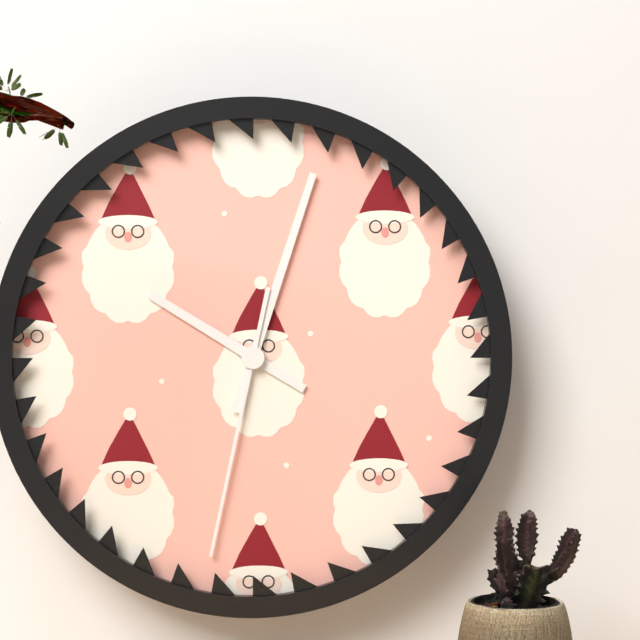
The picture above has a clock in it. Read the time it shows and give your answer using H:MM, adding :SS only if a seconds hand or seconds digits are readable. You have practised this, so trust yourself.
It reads 10:03:32
